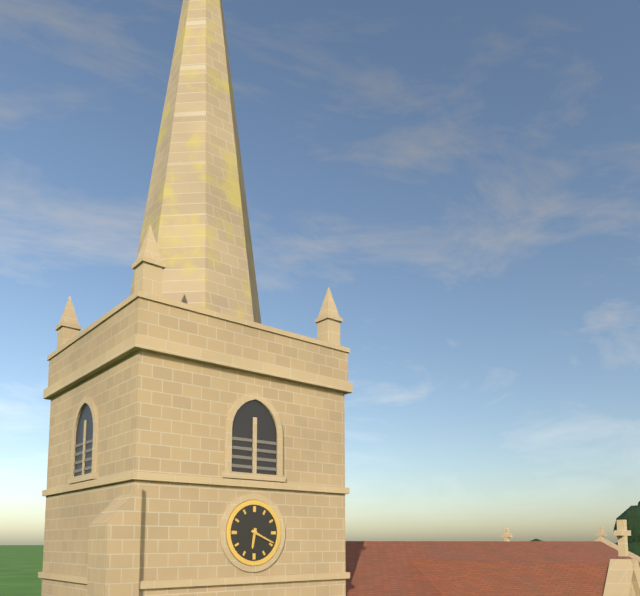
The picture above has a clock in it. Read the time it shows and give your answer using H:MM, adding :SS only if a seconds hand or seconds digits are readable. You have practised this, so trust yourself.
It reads 6:19
